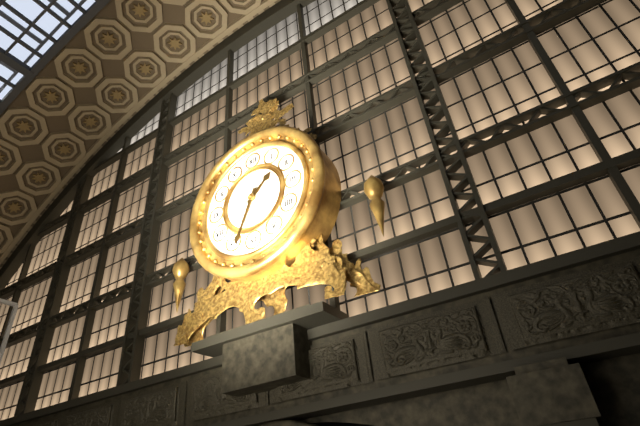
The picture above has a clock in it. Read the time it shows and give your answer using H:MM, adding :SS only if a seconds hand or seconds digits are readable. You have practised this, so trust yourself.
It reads 1:34
